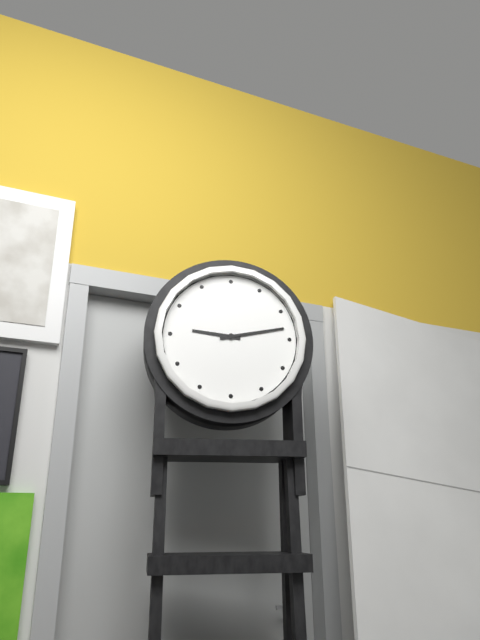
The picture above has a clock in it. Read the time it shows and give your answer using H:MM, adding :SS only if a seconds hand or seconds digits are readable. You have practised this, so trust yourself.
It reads 9:13
